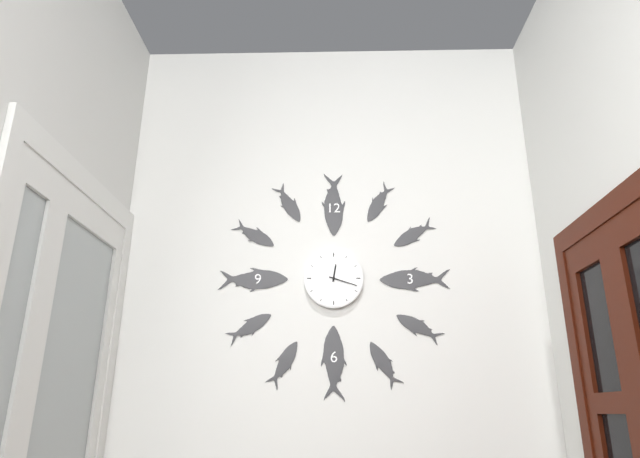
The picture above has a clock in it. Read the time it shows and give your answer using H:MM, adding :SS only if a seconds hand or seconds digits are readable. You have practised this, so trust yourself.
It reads 12:18
